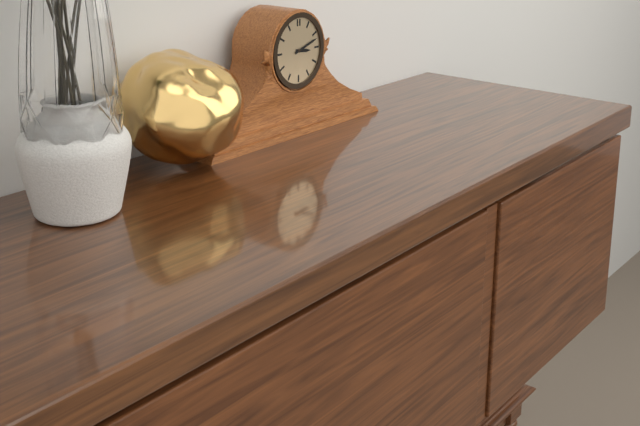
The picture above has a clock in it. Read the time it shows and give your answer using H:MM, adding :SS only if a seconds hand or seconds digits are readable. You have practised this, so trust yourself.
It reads 3:12
